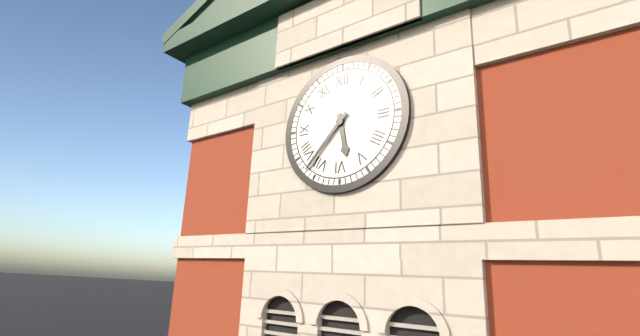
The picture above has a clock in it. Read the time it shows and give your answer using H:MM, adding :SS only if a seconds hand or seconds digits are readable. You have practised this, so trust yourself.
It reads 5:37
